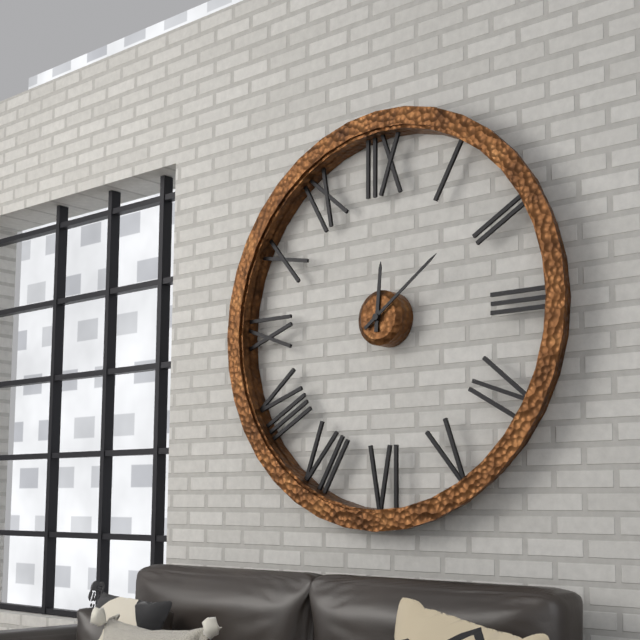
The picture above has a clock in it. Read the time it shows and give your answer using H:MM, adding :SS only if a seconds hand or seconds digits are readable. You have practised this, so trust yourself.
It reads 12:09
